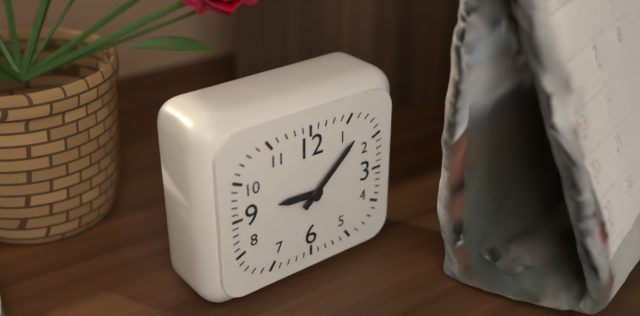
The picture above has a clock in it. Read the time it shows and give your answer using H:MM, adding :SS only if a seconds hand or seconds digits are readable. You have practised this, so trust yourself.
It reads 9:08
